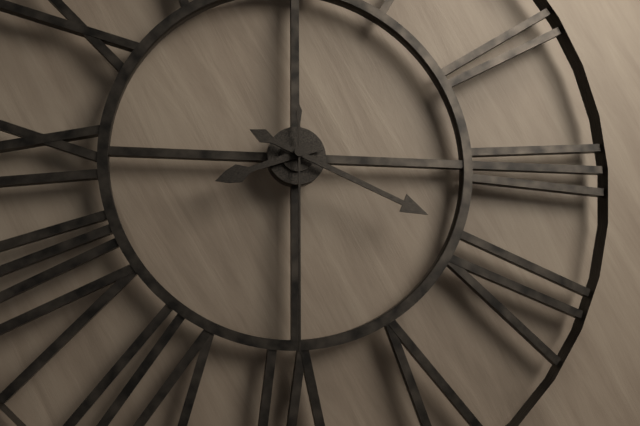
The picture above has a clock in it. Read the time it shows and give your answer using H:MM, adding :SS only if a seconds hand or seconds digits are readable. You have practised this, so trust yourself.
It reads 8:19:30
